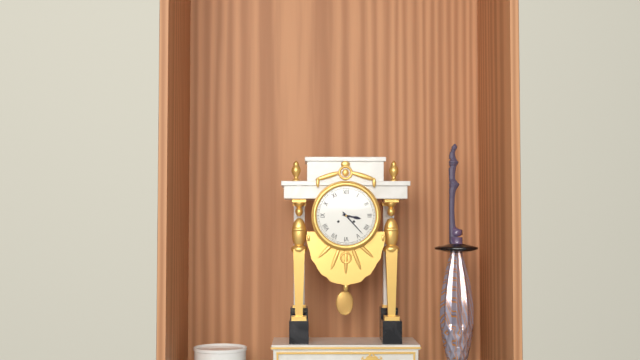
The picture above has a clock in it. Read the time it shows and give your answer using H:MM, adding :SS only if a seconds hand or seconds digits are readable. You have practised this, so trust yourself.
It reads 3:23
